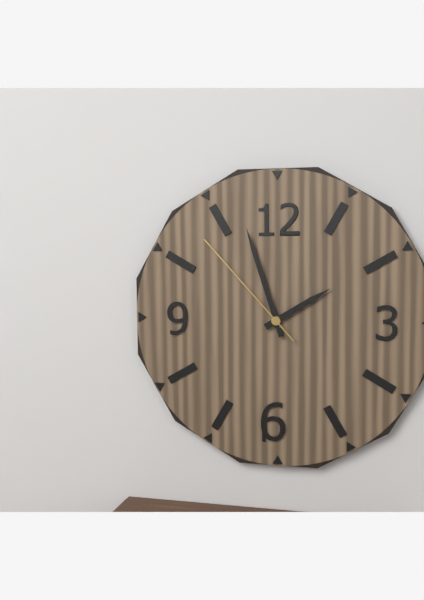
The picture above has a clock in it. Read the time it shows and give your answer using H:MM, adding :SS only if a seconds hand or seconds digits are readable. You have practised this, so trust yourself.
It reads 1:57:53
